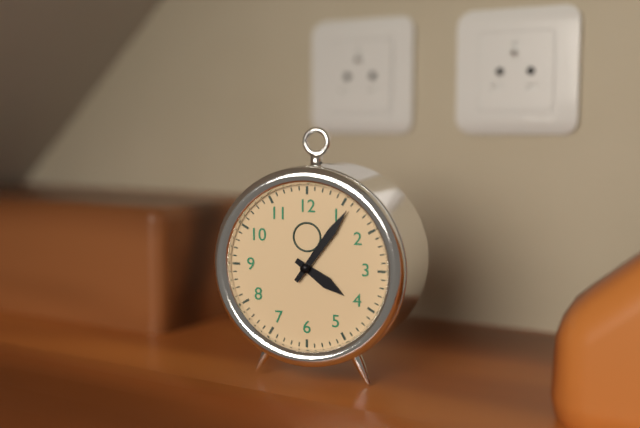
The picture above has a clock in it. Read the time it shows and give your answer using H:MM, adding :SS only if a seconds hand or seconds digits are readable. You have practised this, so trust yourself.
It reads 4:06
